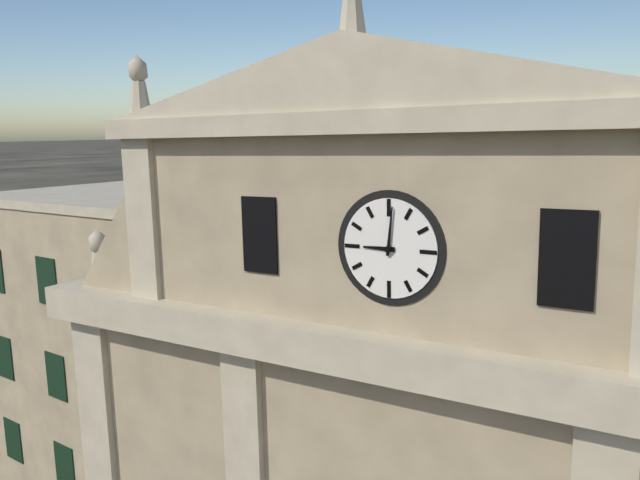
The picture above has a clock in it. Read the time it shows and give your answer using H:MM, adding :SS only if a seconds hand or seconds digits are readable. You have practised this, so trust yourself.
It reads 9:01
